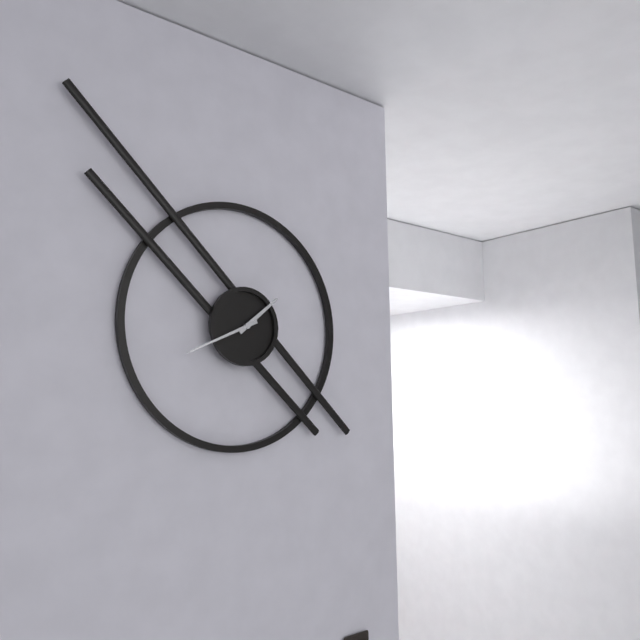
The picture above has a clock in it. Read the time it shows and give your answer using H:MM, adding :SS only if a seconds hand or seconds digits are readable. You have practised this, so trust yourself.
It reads 1:41
